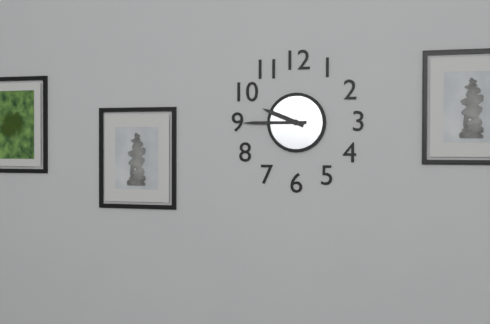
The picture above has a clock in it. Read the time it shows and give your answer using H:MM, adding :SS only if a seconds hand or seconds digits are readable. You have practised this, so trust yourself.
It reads 9:45
